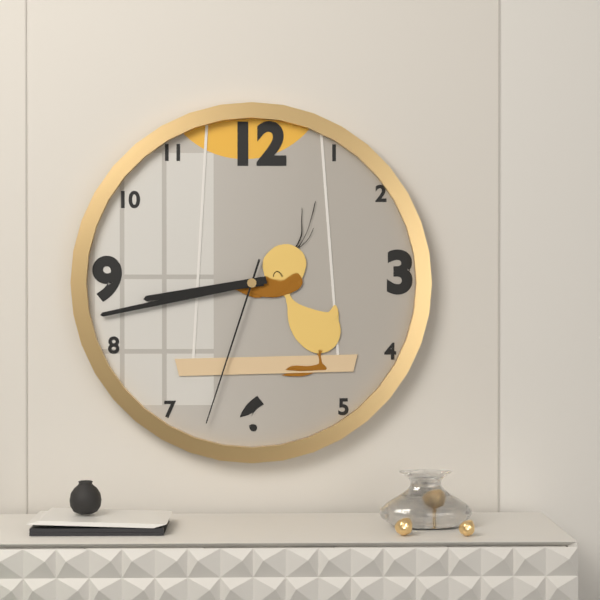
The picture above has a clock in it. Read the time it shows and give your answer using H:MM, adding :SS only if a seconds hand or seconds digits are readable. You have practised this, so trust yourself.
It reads 8:43:33
